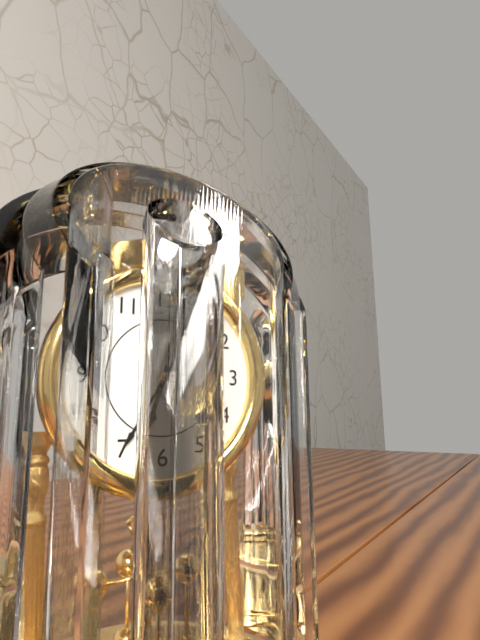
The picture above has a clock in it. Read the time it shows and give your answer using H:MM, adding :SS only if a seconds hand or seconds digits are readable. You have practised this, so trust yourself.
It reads 6:35
